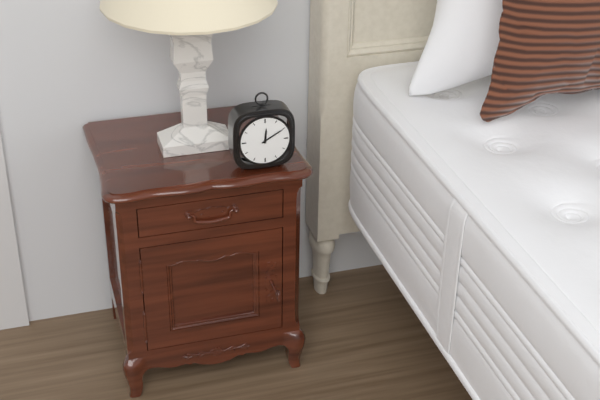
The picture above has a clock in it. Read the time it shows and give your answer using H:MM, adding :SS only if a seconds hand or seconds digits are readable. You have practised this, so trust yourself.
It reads 12:10
